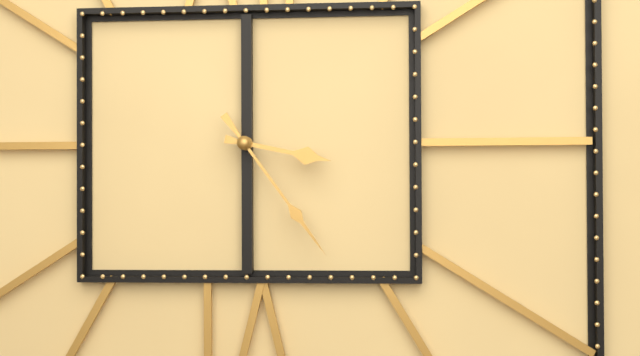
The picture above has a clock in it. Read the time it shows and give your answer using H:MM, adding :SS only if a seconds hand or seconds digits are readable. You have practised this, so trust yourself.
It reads 3:24
